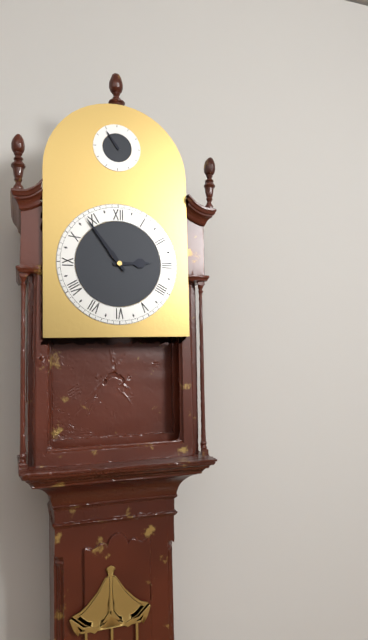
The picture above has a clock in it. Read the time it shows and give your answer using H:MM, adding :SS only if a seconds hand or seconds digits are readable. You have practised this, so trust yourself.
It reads 2:54
